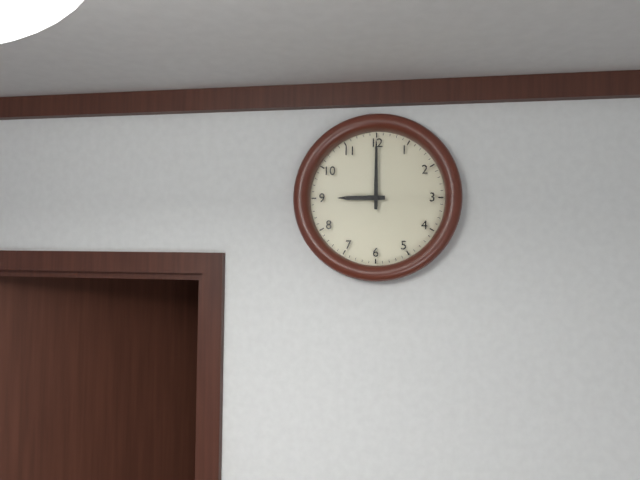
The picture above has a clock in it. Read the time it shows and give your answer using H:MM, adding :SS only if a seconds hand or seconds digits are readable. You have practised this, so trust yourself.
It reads 9:00
